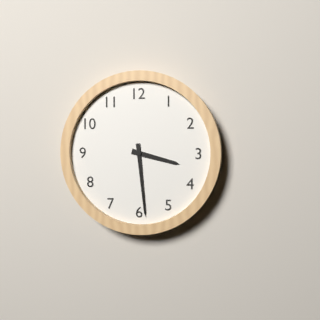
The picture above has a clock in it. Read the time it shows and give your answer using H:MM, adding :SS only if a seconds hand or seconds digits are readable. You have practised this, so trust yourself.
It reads 3:29
